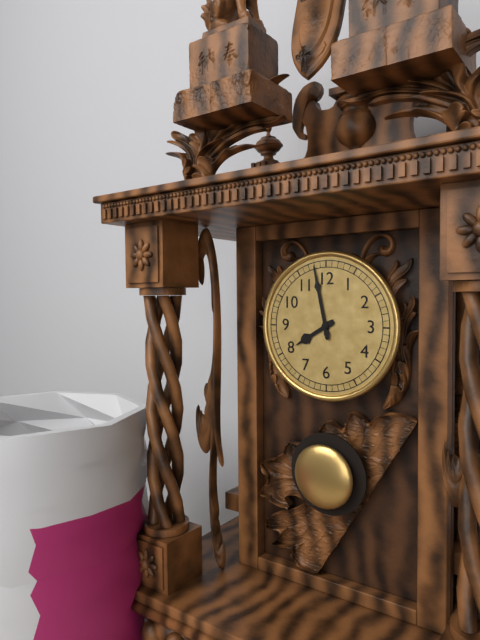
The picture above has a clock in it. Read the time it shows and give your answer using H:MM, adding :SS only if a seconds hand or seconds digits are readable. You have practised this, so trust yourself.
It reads 7:58
